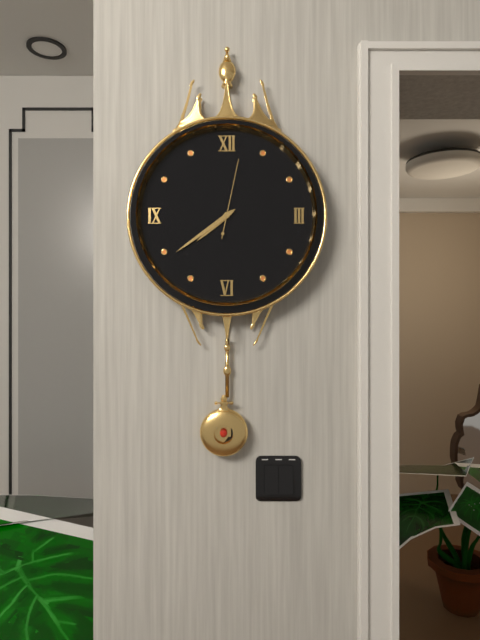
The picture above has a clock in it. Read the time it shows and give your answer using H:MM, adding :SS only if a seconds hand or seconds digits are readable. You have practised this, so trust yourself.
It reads 7:39:02
